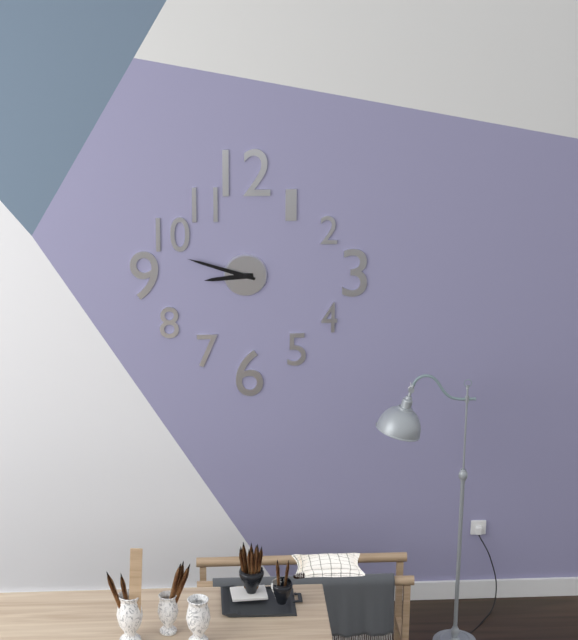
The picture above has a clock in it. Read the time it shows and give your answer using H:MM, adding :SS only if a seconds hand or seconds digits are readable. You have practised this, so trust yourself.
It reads 8:48
